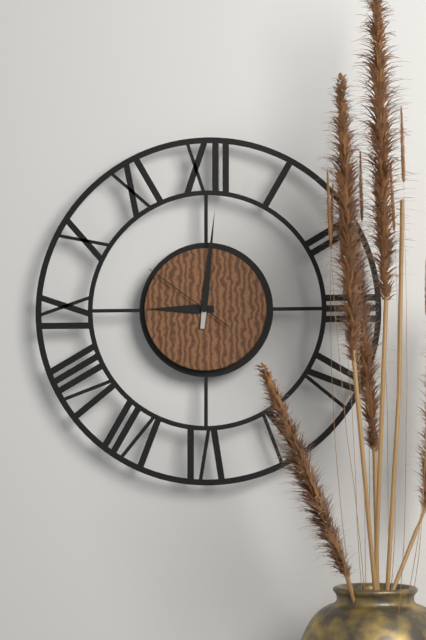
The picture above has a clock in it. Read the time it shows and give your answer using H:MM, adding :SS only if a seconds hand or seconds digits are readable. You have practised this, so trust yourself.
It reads 9:01:51
